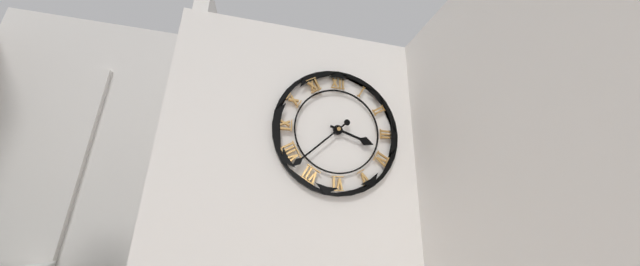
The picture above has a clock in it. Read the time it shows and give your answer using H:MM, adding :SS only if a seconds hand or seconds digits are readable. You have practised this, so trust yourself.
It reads 3:38
